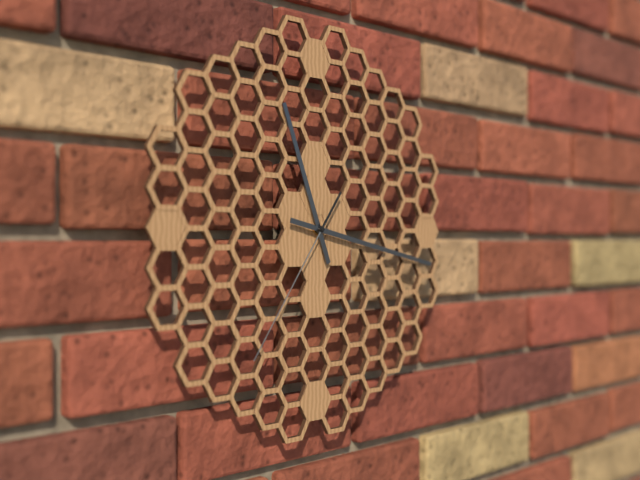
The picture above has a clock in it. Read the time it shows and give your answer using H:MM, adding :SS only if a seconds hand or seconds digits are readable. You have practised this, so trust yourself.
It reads 11:17:36
